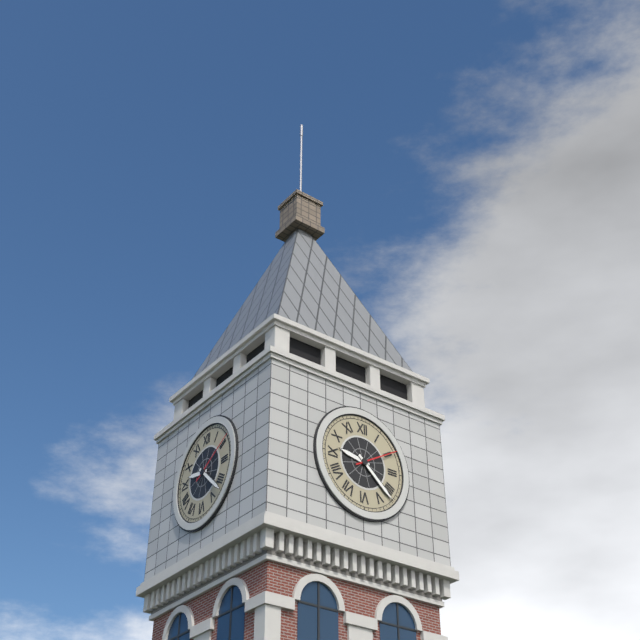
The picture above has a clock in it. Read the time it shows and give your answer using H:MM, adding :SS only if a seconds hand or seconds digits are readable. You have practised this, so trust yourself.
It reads 9:22
